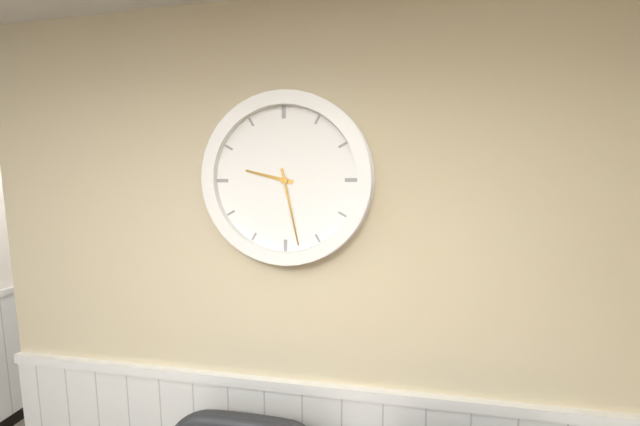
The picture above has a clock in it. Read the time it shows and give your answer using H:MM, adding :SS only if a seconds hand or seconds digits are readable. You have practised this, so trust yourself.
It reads 9:28
